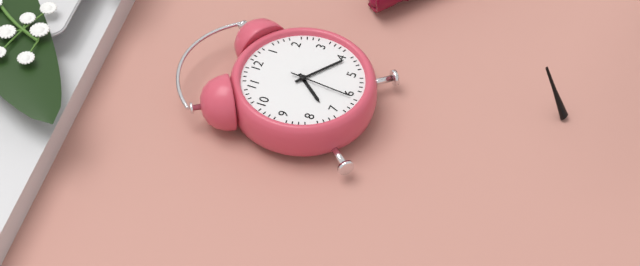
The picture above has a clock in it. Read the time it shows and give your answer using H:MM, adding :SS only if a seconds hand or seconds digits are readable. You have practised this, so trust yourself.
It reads 7:21:31
